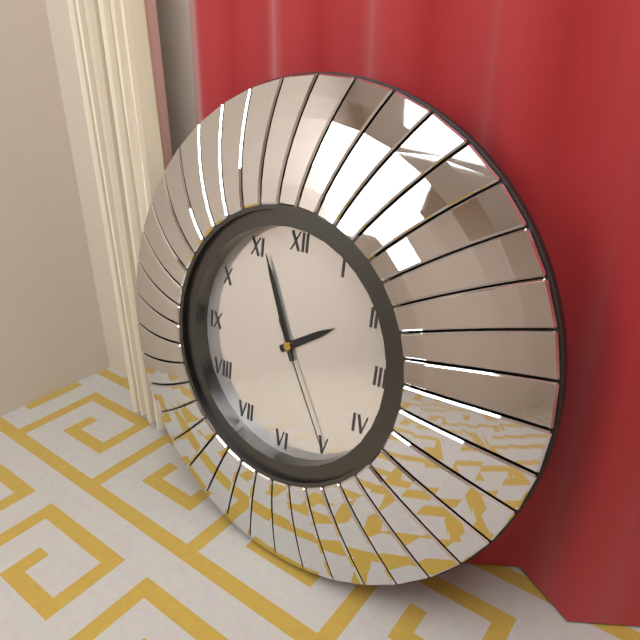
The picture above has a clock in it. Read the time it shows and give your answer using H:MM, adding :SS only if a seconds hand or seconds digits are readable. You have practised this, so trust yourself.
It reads 1:56:25
